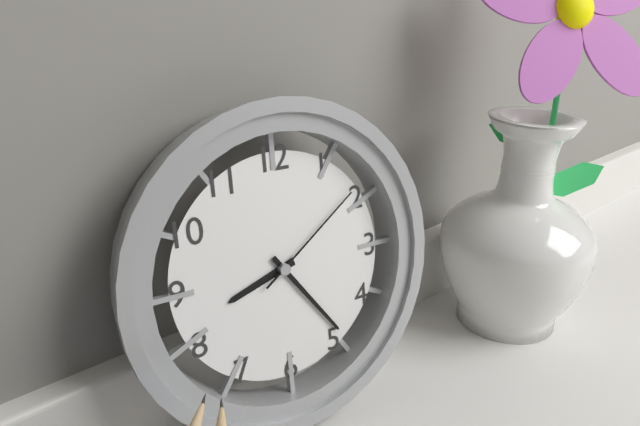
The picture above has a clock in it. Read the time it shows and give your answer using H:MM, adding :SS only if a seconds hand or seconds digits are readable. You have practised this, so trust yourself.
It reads 8:24:09
